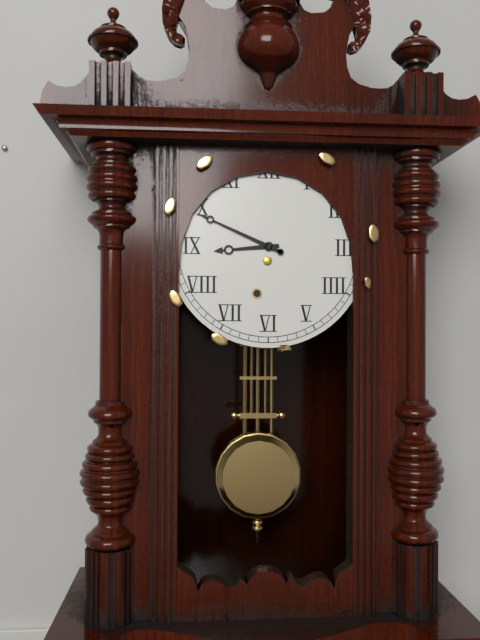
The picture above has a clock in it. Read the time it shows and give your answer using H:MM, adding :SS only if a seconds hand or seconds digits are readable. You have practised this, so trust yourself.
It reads 8:49
